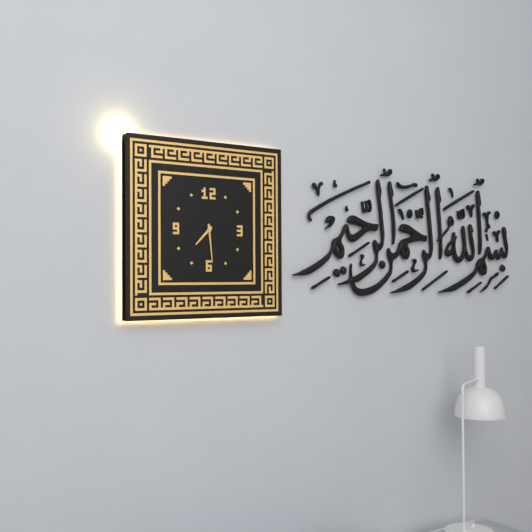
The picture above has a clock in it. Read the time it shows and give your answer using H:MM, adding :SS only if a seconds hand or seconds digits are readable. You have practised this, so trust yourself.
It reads 7:29
